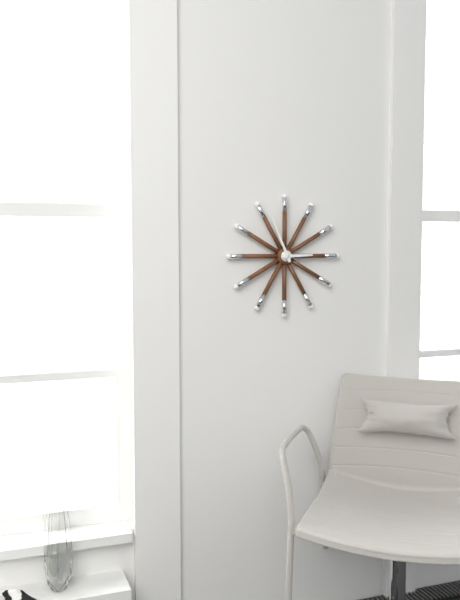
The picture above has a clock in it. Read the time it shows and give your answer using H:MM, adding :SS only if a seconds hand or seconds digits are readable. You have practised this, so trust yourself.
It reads 2:56
